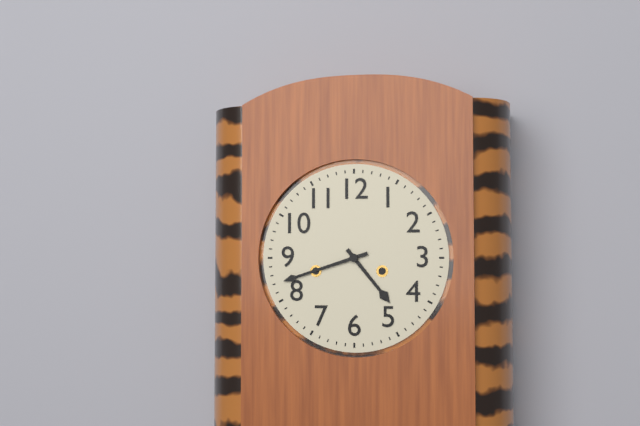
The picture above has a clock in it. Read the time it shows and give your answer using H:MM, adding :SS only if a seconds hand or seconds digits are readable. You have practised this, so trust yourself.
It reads 4:42
